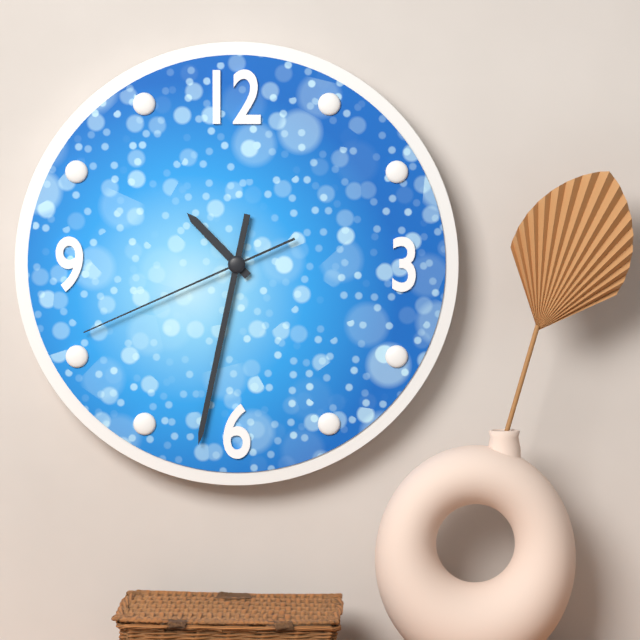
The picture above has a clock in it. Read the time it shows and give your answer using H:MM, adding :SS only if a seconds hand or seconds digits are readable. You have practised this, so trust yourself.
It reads 10:32:41
